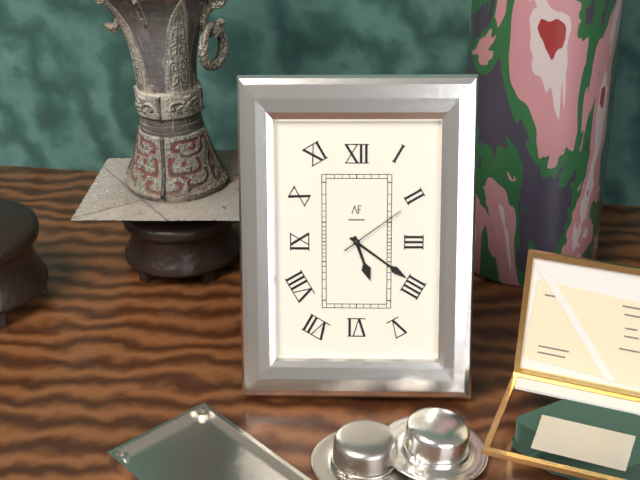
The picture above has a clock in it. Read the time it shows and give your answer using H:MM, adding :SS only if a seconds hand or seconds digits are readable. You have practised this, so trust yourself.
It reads 5:21:09
